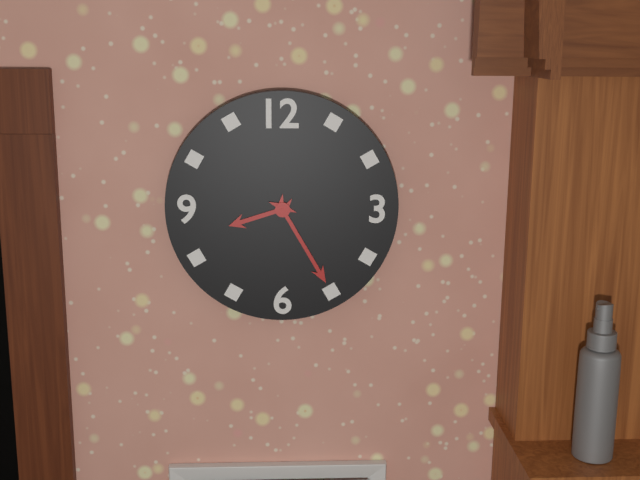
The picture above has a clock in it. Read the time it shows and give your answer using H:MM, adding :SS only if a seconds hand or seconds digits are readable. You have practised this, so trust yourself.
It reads 8:25
